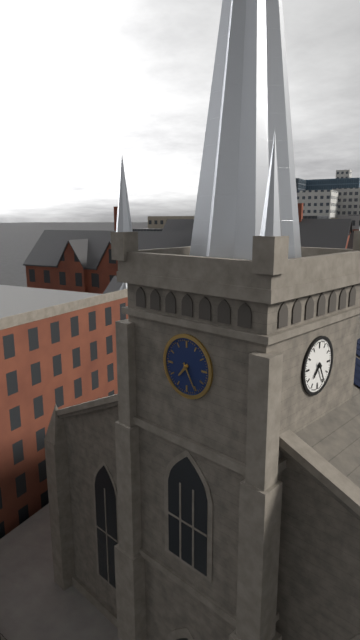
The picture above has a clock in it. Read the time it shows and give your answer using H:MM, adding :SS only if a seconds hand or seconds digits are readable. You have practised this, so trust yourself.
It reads 7:25
